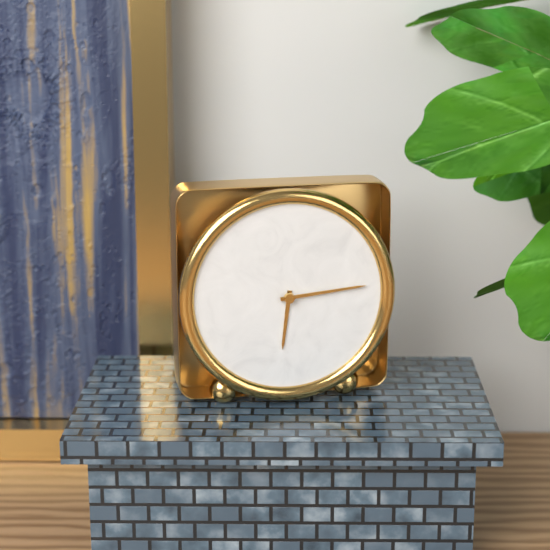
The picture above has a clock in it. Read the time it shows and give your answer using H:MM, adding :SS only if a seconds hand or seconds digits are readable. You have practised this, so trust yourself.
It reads 6:14
